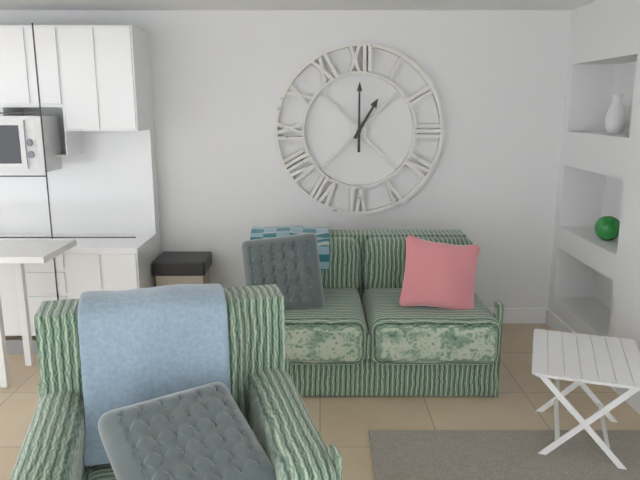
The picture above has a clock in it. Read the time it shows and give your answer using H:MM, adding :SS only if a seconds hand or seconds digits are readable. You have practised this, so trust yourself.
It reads 1:00
